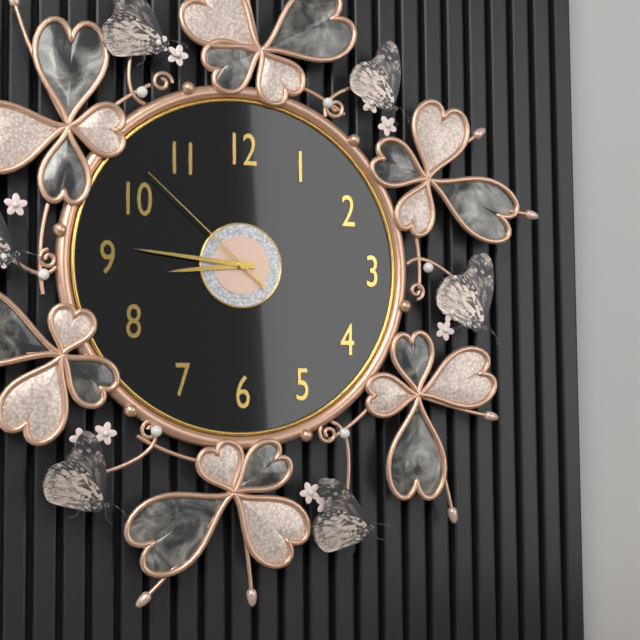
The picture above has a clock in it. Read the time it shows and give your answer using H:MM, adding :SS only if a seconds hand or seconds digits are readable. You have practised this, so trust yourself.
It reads 8:46:52
